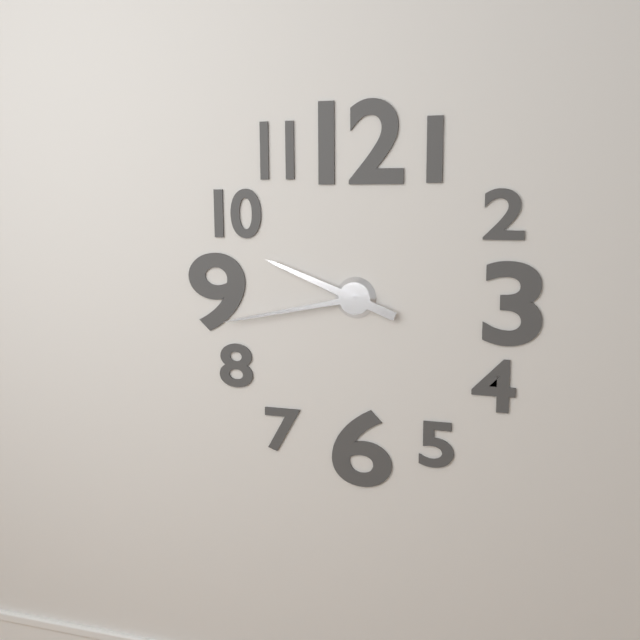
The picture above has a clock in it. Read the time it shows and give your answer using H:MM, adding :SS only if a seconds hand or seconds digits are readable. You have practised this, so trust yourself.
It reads 9:43
